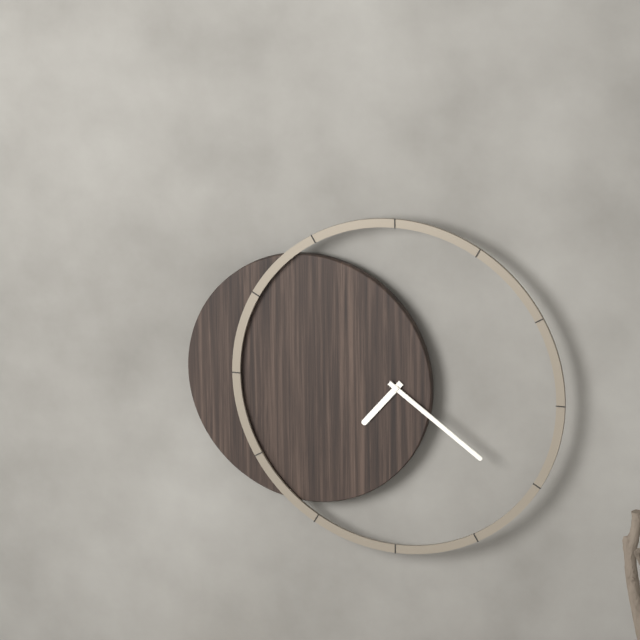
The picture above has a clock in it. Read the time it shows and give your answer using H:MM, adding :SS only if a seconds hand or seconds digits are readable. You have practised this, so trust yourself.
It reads 7:21
